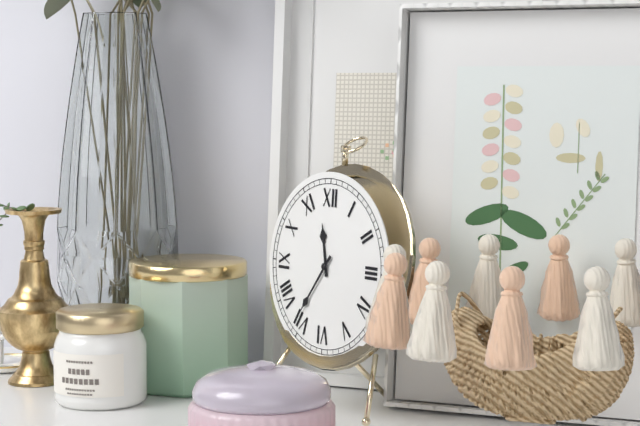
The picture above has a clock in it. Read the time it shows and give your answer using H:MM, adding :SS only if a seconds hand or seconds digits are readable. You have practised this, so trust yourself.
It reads 11:36
